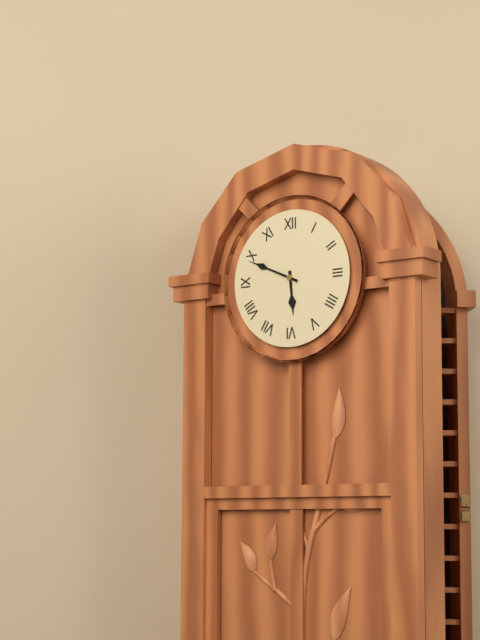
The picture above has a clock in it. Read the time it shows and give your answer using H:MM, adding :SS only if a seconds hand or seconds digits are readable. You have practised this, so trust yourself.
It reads 5:49
